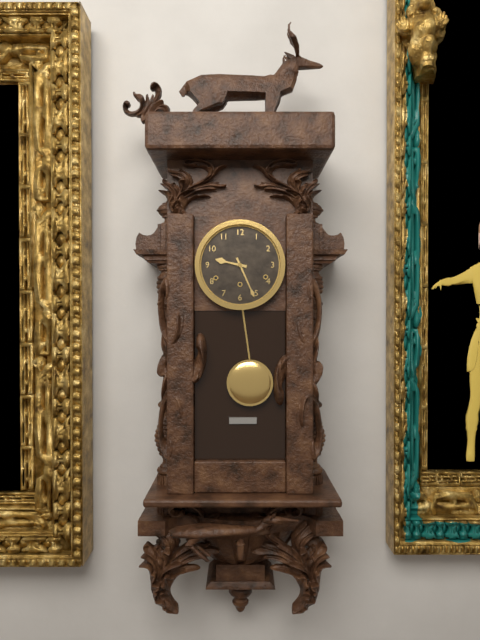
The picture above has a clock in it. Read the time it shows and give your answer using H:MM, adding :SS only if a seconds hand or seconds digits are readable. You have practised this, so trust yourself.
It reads 9:26
